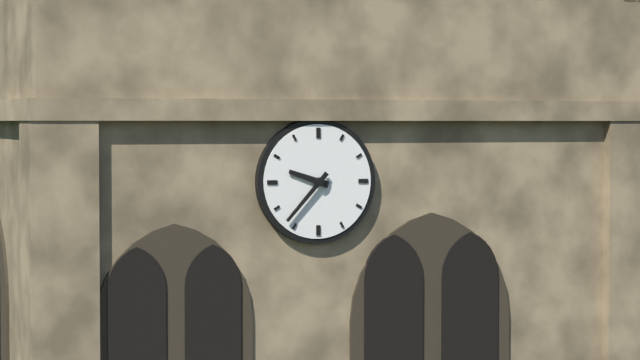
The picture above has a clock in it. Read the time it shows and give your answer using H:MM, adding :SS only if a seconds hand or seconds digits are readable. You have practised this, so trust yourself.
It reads 9:37
